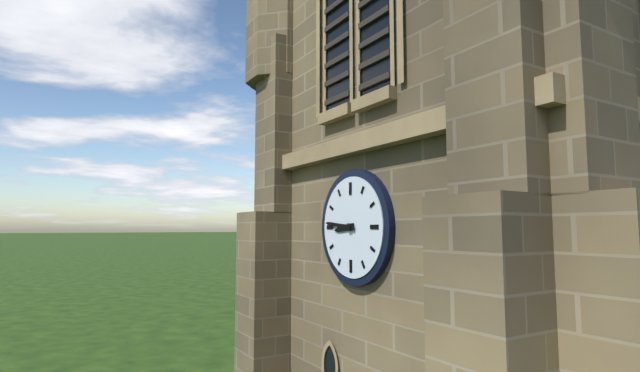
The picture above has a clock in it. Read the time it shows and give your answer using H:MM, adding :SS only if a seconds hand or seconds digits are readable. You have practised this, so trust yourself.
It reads 8:46
